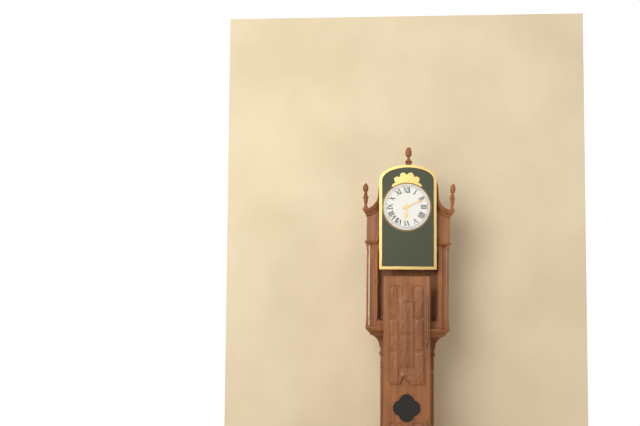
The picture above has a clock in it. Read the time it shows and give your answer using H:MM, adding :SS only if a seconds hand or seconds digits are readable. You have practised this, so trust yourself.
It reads 6:11
